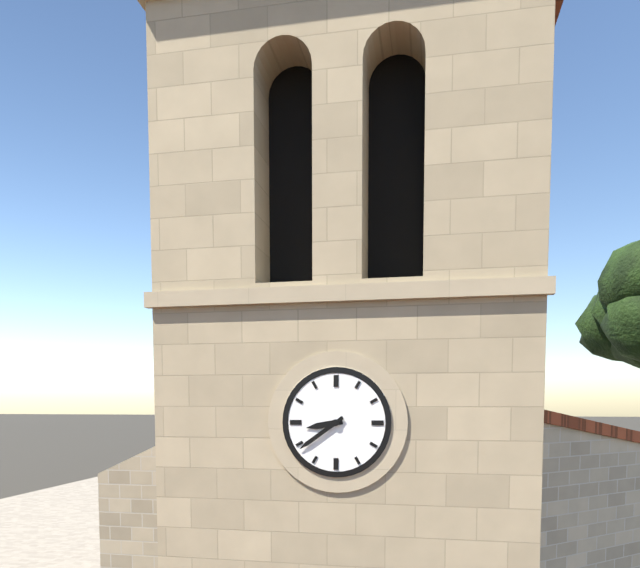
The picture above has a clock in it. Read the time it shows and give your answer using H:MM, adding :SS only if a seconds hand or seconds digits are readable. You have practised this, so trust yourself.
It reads 8:39
